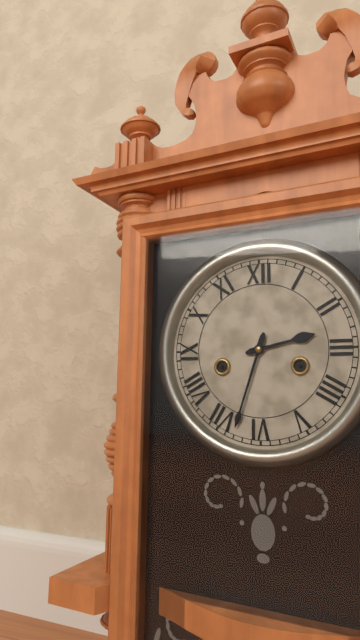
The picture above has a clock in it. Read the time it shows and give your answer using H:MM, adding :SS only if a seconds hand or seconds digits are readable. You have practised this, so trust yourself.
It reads 2:33
